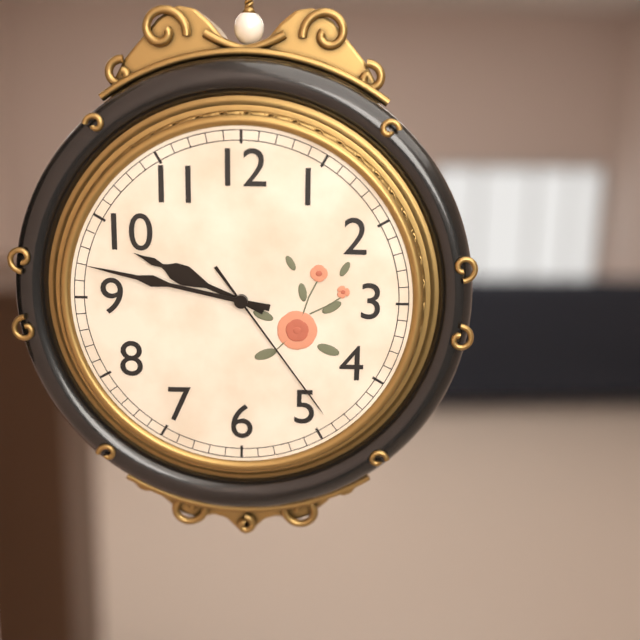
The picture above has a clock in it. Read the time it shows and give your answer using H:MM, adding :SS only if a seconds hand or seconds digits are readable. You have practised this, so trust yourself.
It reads 9:47:24
